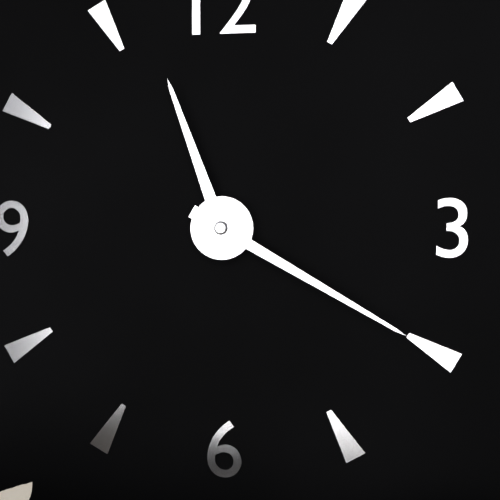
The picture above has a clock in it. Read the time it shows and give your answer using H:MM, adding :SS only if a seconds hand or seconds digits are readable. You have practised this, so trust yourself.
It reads 11:20
